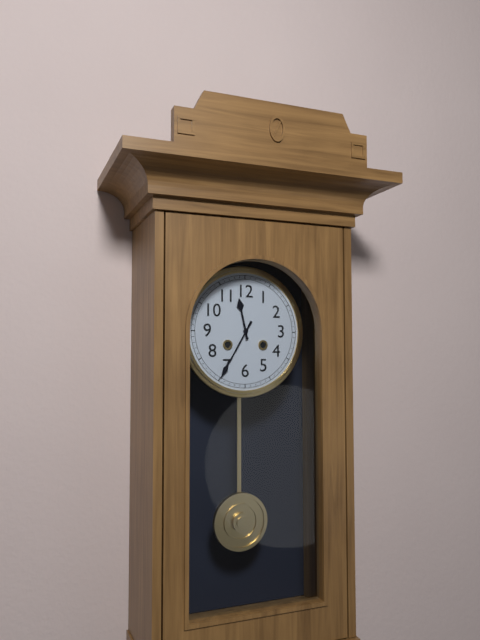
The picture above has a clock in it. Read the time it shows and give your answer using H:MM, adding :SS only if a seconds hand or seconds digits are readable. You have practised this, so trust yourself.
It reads 11:35
